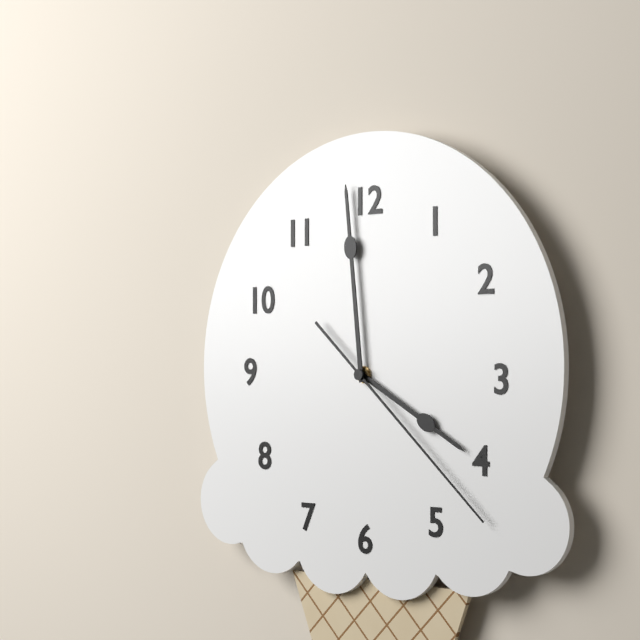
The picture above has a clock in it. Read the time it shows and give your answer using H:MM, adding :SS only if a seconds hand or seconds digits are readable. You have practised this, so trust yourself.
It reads 3:59:22
